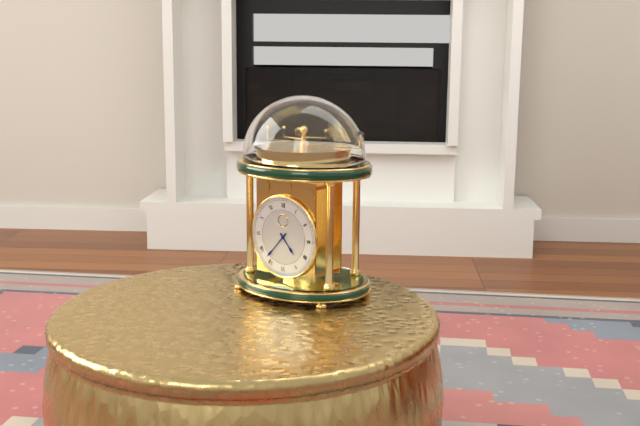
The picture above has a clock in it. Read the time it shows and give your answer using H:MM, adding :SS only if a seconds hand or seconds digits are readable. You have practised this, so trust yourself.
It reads 4:37
